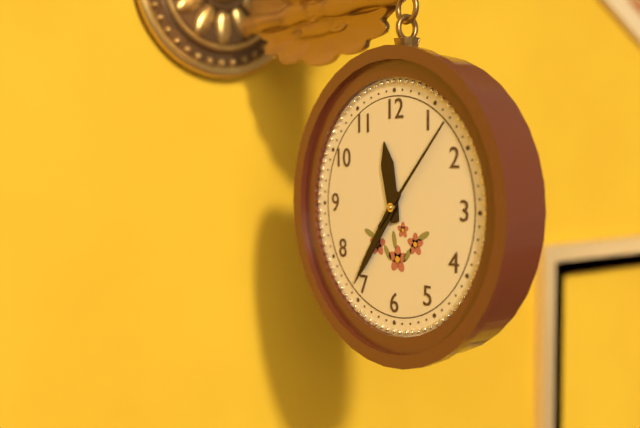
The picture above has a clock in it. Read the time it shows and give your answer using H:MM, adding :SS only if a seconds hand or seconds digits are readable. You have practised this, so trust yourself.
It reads 11:36:07
